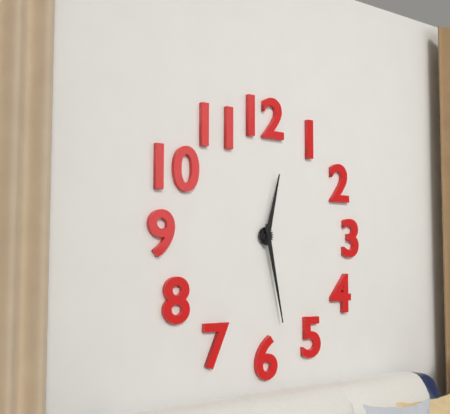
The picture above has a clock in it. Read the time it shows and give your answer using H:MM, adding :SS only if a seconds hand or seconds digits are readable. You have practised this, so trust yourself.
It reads 12:28
